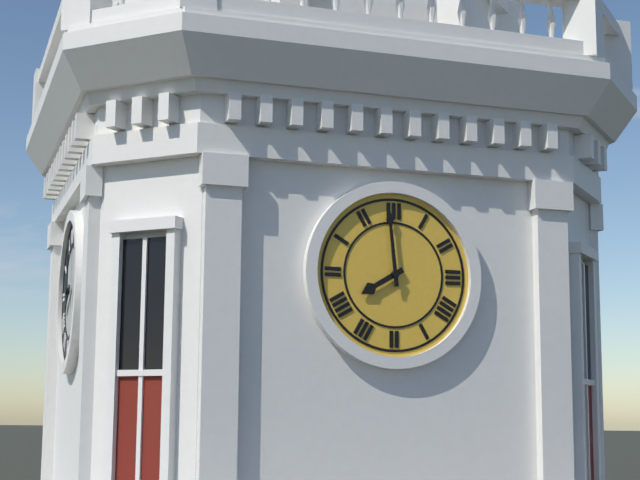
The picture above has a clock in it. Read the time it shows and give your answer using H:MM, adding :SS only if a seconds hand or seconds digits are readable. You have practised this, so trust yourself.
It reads 7:59
